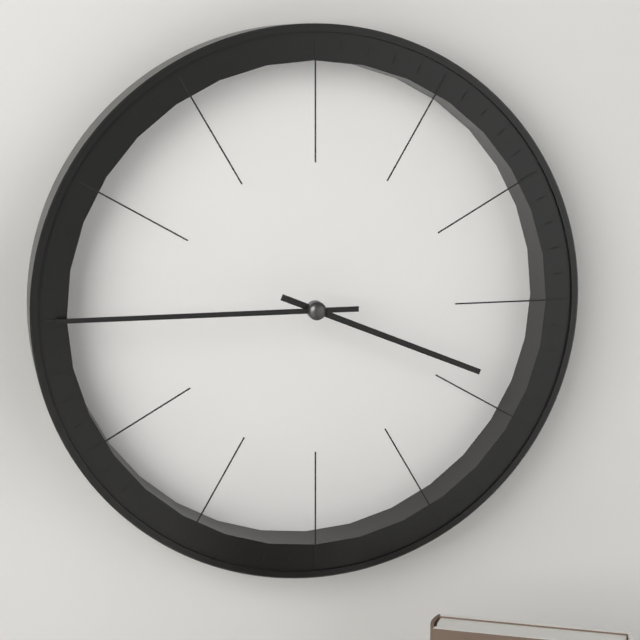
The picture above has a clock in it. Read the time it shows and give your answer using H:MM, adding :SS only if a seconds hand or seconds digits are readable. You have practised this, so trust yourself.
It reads 3:45
